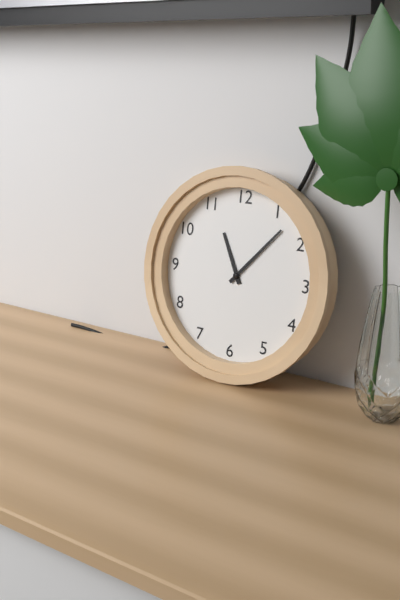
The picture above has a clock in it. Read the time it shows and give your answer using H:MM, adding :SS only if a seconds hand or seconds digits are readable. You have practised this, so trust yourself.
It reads 11:07
